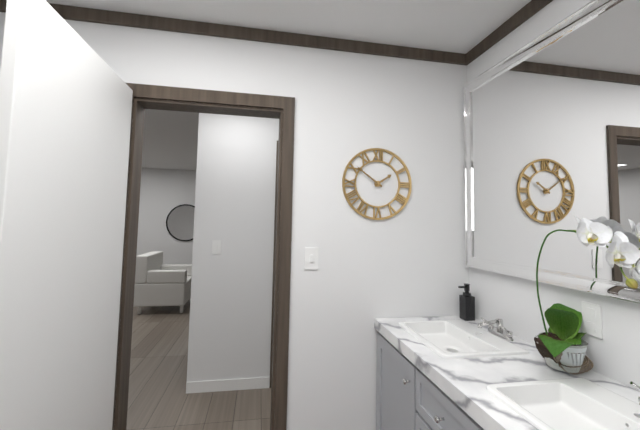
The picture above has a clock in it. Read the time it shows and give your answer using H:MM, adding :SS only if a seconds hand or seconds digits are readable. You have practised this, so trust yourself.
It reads 1:51
